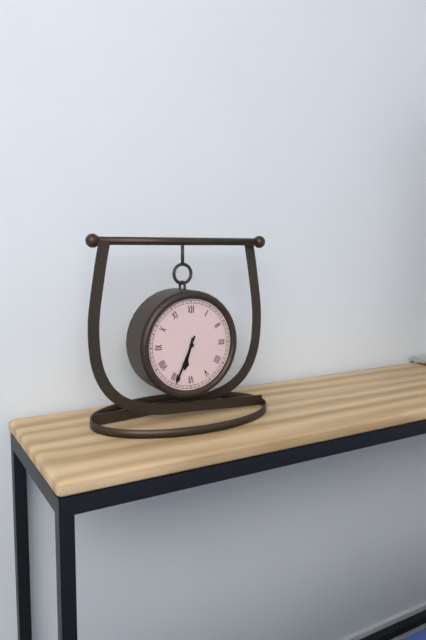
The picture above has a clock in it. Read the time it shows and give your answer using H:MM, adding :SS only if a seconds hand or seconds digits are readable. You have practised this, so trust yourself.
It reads 6:34
